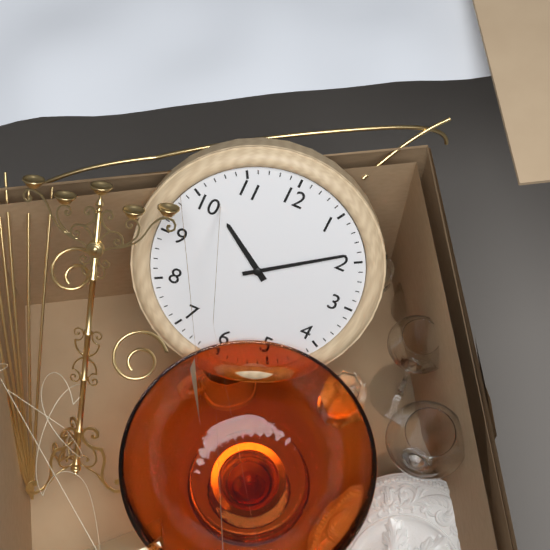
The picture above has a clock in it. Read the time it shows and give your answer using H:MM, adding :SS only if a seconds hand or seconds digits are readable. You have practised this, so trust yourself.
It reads 10:09
